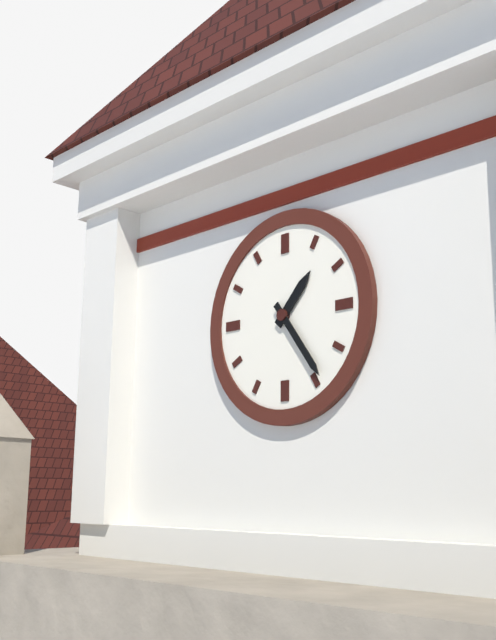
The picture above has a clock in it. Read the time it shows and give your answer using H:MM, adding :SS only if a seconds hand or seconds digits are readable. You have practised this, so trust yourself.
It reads 1:24
